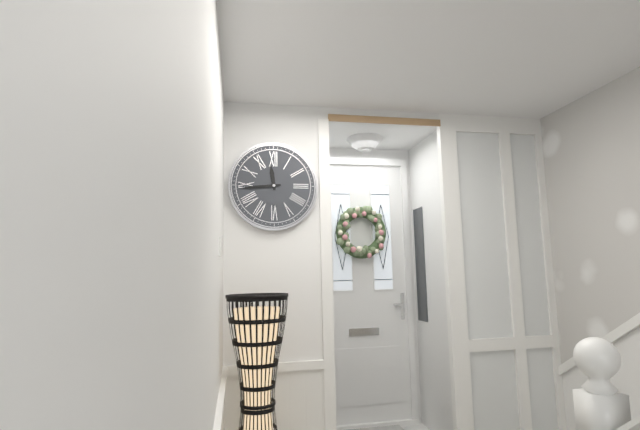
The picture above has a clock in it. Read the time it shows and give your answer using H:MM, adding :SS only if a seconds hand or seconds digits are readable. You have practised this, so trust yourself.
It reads 11:44
